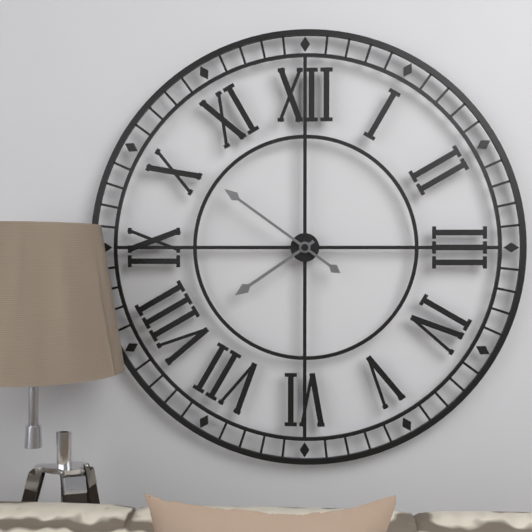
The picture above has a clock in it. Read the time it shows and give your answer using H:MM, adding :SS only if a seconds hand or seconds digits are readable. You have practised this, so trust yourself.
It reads 7:51
